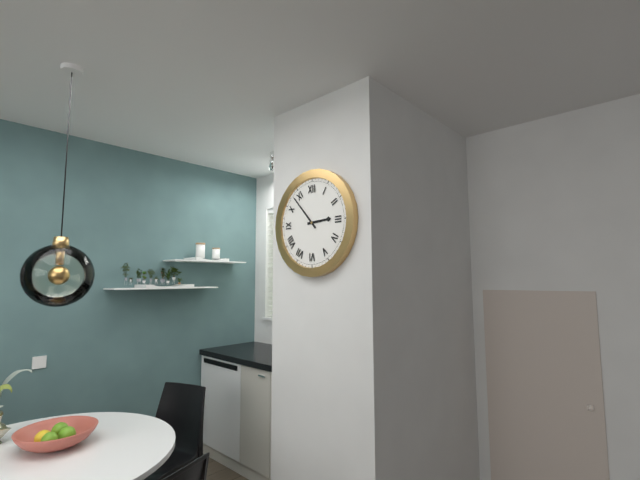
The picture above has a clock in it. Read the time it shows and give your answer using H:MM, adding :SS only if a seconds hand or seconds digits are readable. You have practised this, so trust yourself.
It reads 2:53
